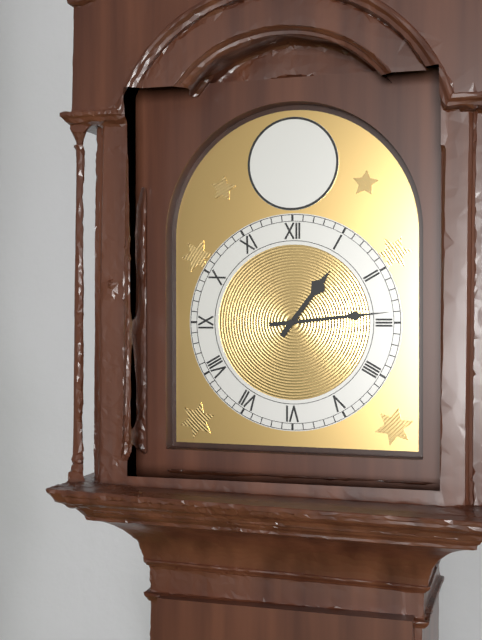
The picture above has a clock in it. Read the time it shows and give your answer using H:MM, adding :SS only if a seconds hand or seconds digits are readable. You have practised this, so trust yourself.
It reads 1:14
